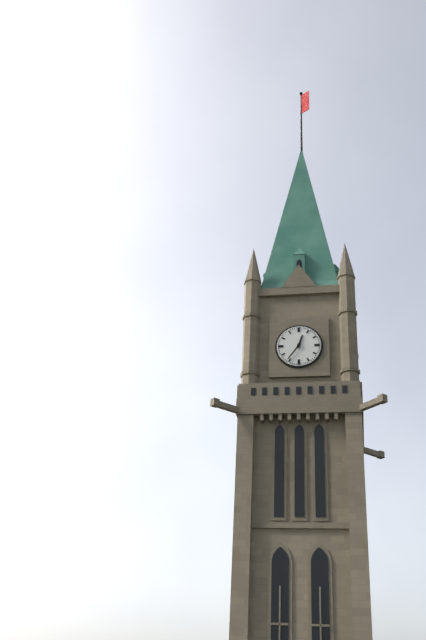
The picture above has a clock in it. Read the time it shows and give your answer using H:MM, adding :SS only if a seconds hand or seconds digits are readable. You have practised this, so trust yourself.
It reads 12:36
